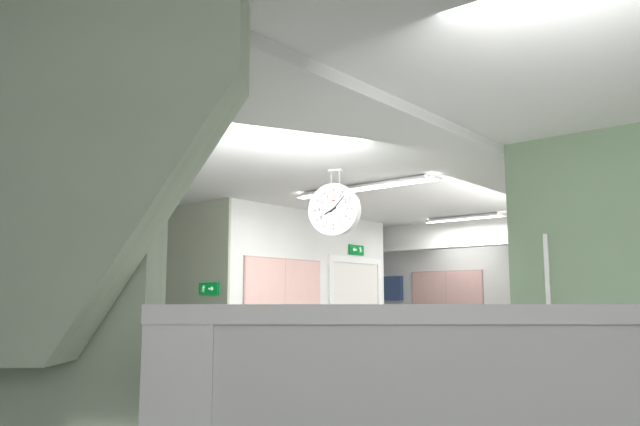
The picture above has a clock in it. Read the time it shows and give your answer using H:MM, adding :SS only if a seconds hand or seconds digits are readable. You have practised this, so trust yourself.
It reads 8:07
